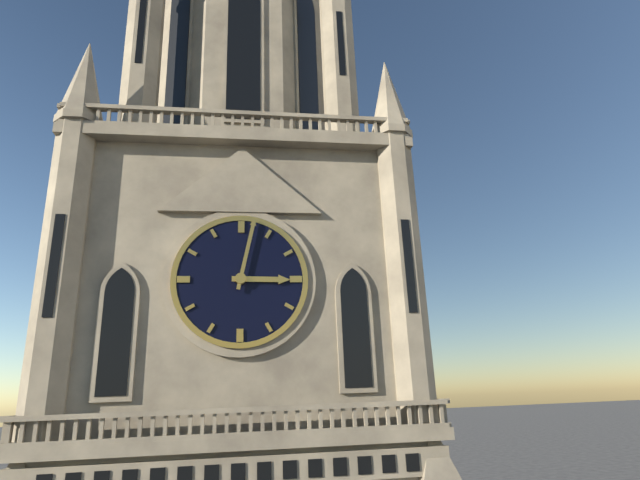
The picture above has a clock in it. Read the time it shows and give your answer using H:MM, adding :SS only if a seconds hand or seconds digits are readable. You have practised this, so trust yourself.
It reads 3:02
